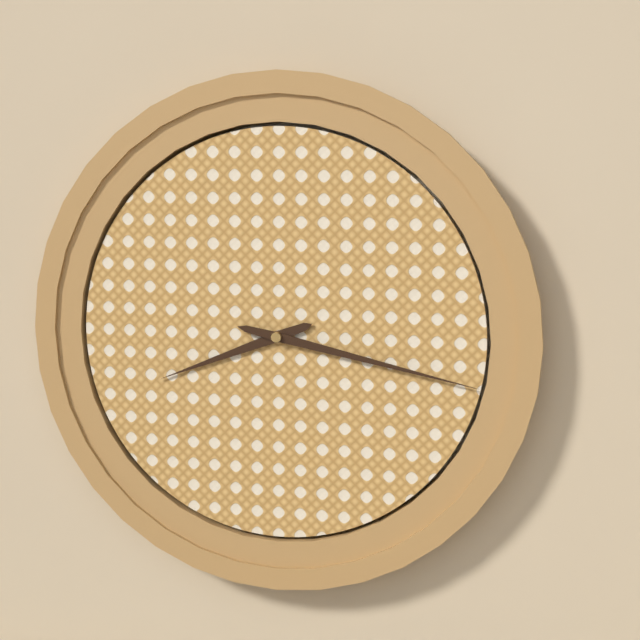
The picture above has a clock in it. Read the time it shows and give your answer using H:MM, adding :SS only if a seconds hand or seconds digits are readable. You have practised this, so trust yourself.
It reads 8:17
